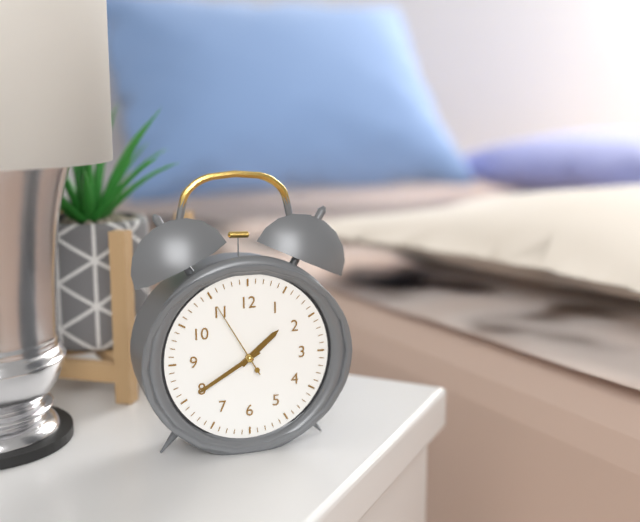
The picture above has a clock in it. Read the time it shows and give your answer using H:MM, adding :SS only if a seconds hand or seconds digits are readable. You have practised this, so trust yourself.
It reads 1:40:55
